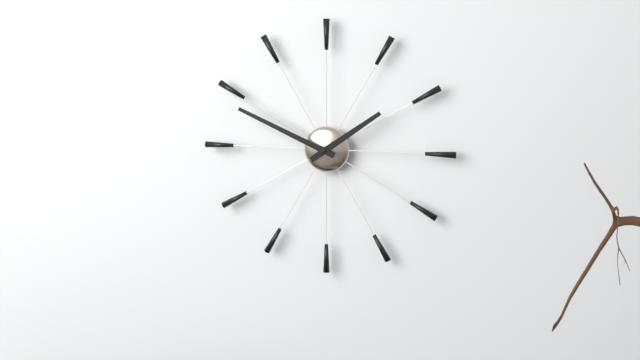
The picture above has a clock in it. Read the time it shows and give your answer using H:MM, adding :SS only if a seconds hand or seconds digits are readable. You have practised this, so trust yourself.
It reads 1:49
